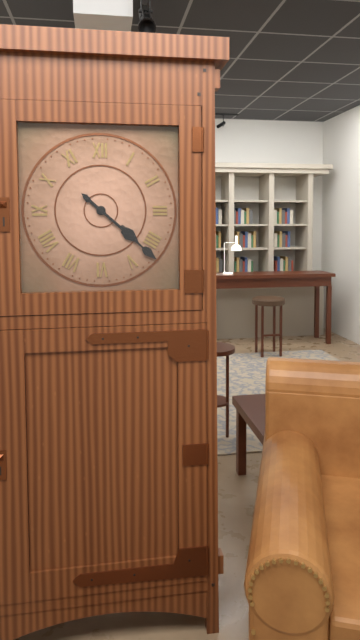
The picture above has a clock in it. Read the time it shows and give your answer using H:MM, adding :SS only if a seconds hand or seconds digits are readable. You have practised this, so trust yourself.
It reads 4:22
